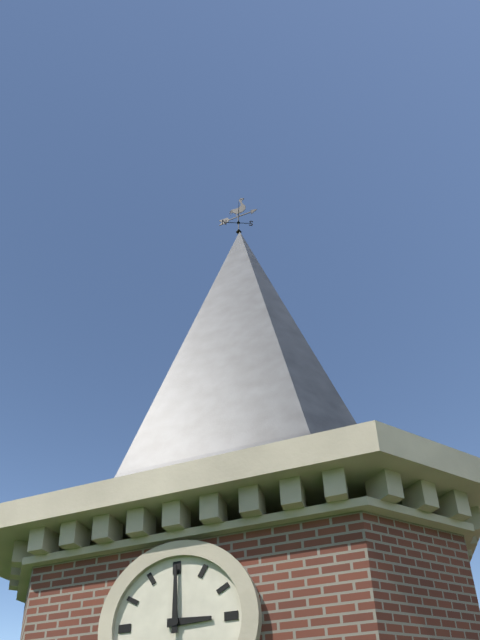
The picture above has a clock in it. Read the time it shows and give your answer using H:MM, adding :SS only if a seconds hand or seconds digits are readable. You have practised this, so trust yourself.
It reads 3:00
